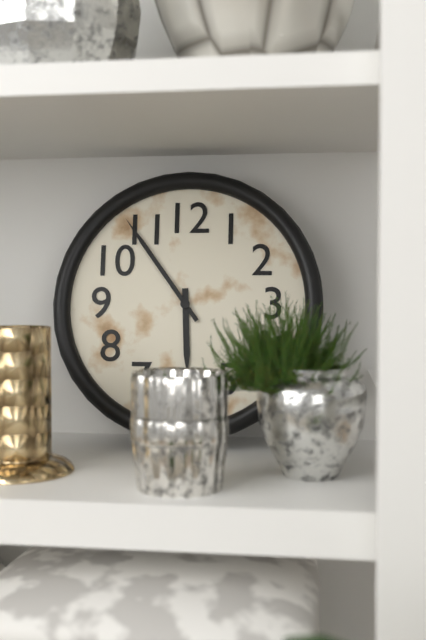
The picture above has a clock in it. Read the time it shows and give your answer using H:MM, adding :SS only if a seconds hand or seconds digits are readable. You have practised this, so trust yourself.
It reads 5:54
